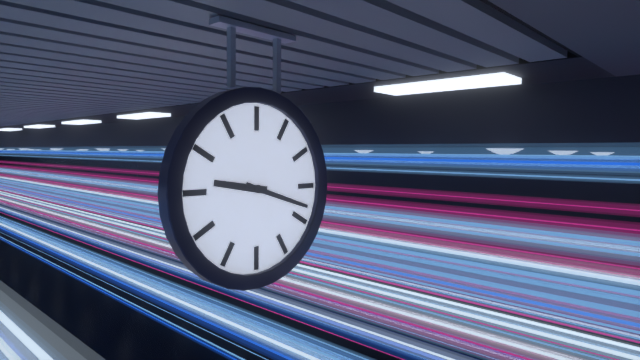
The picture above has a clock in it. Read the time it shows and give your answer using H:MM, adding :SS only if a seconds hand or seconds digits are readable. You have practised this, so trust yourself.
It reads 9:18
